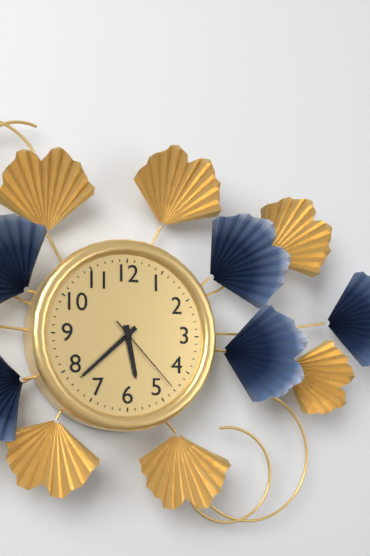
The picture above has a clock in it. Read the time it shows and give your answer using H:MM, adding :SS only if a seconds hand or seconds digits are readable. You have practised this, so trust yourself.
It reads 5:38:23
